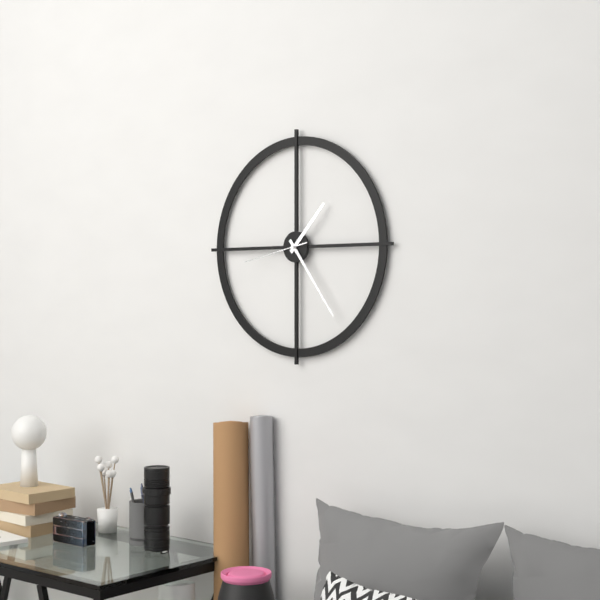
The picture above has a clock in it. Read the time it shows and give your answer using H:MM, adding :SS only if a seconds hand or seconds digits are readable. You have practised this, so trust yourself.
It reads 1:24:43
